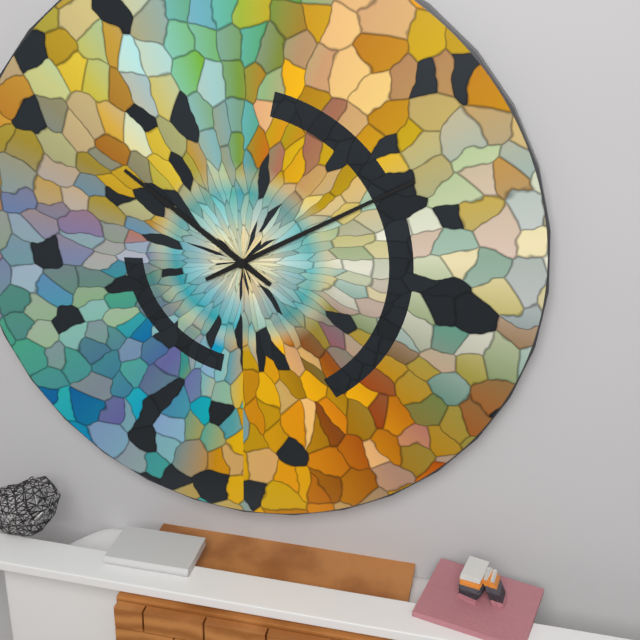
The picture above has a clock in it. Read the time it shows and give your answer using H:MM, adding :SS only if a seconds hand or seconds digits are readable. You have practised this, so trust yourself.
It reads 10:10
